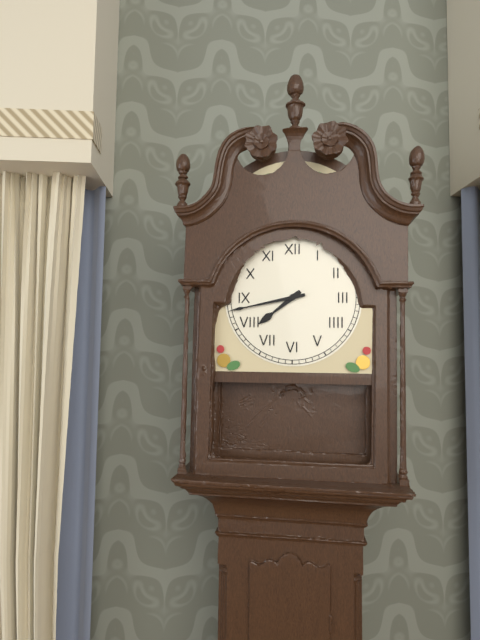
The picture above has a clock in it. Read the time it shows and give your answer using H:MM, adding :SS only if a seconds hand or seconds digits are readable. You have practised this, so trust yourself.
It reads 7:43
